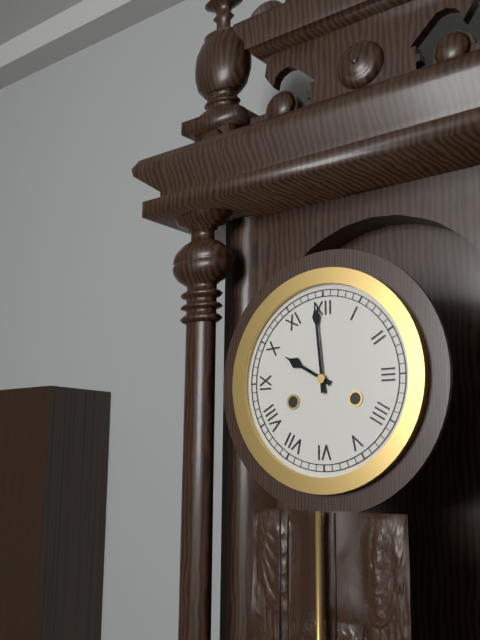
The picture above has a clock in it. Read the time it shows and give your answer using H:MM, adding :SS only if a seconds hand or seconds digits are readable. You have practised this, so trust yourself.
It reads 9:59
